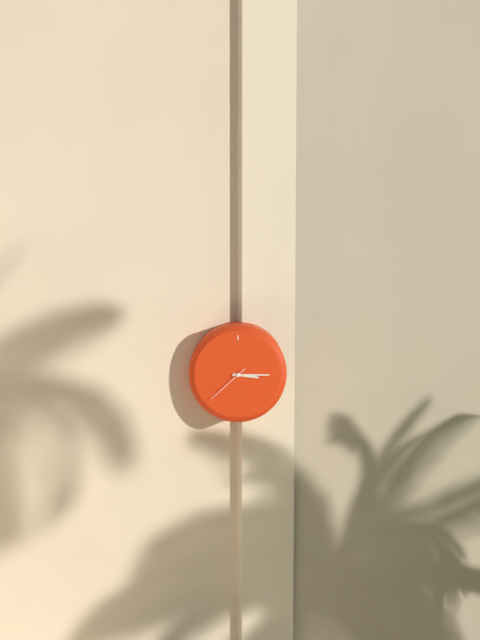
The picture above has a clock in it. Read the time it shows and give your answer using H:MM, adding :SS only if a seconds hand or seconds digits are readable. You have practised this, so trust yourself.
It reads 3:15
